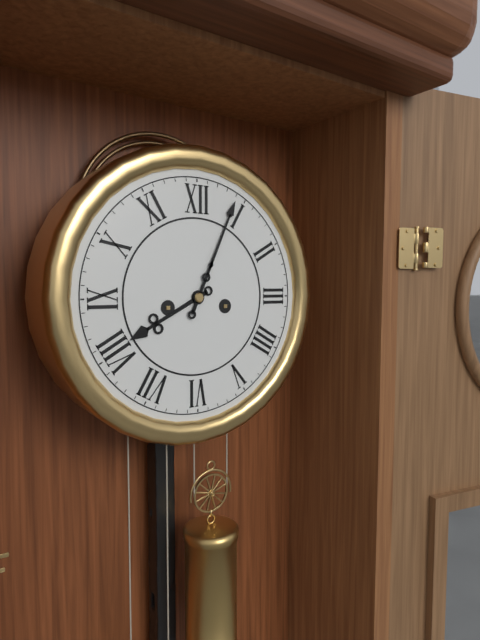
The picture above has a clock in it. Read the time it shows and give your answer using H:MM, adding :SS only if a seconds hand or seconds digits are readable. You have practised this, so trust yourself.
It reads 8:04
